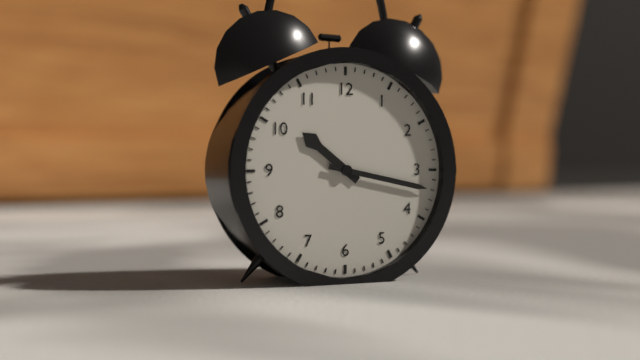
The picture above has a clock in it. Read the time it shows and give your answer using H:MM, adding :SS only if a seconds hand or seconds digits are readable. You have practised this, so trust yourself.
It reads 10:17
